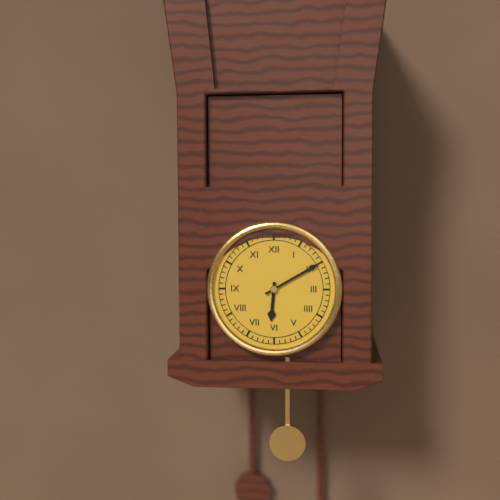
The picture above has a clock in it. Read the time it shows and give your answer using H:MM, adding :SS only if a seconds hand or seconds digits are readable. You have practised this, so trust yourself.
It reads 6:10
